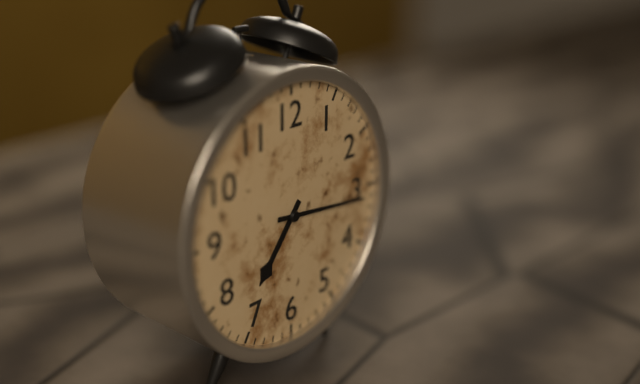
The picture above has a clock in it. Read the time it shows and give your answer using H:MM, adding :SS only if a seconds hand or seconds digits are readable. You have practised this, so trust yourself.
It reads 7:16
